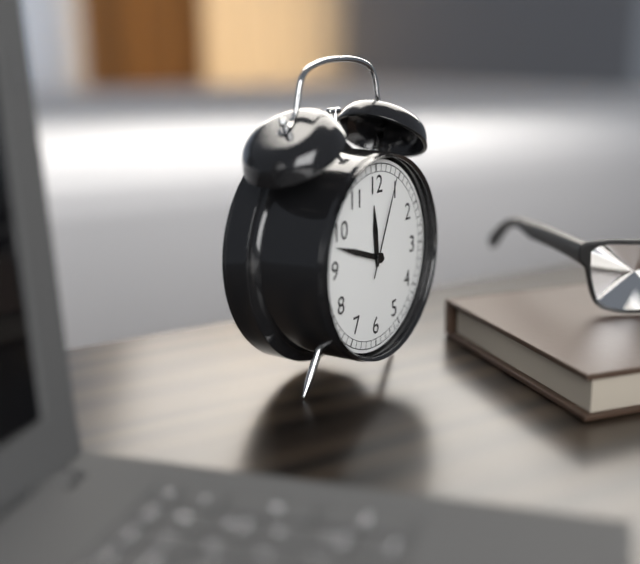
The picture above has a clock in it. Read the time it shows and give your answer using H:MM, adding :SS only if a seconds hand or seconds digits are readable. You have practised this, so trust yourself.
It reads 11:48:04
